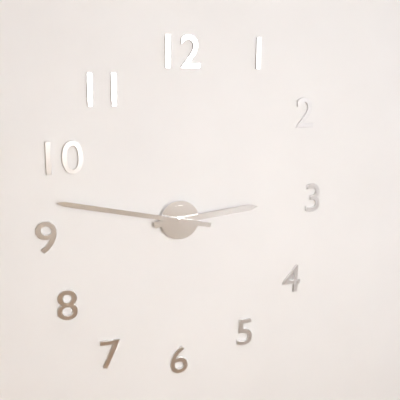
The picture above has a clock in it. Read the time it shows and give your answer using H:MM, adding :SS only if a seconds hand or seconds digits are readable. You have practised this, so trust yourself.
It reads 2:47
